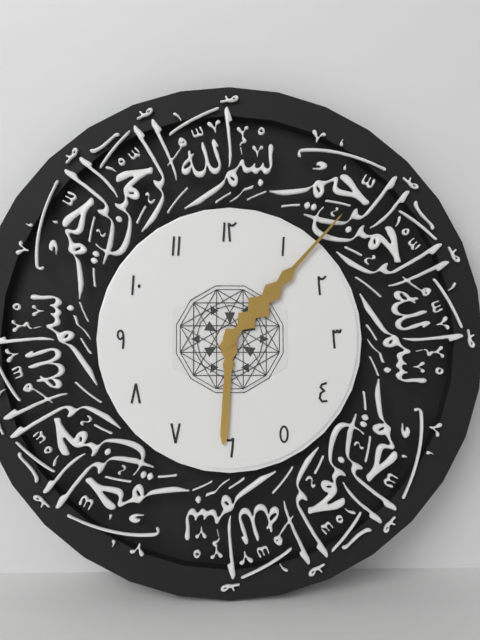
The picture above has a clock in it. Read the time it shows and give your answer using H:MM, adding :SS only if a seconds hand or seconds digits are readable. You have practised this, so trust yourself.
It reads 6:07
